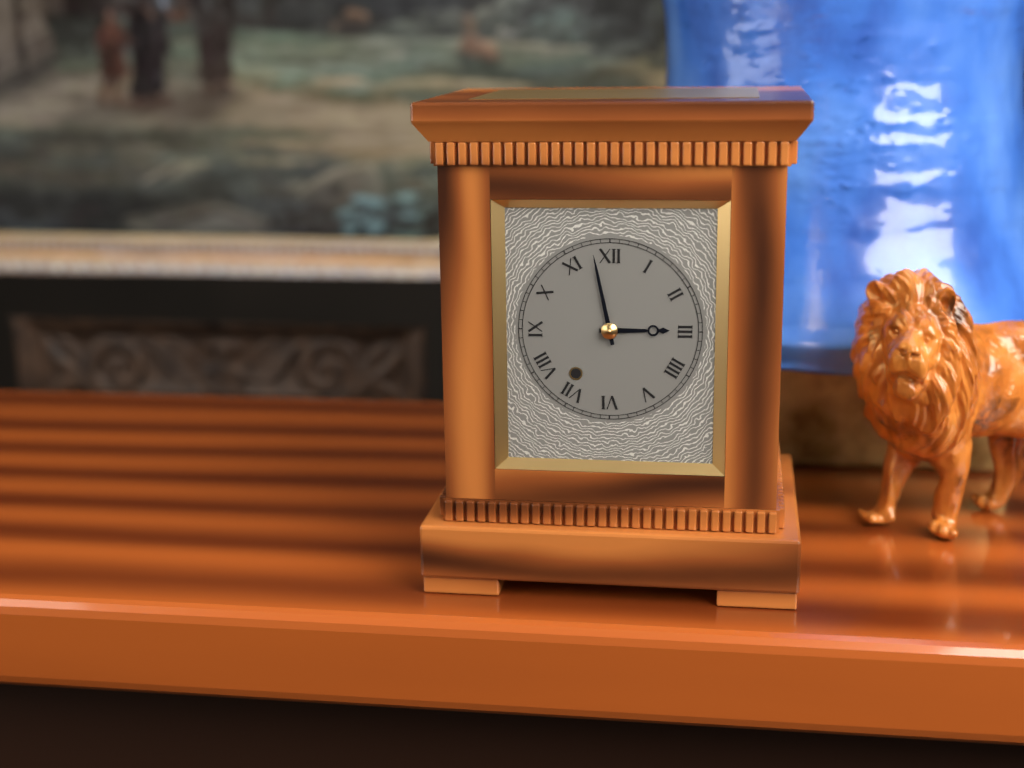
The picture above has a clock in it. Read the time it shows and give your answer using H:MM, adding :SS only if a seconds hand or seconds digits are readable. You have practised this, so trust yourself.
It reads 2:58
